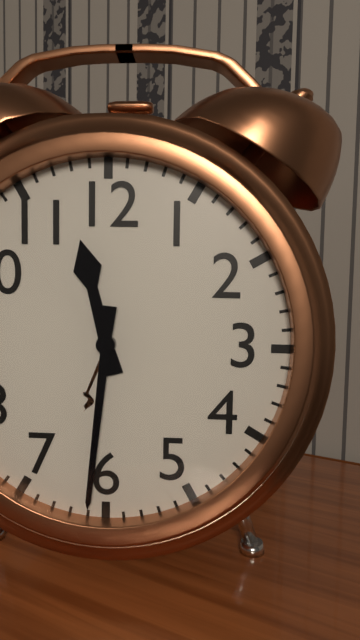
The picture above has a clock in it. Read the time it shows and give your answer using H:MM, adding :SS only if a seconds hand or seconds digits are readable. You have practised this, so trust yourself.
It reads 11:31
